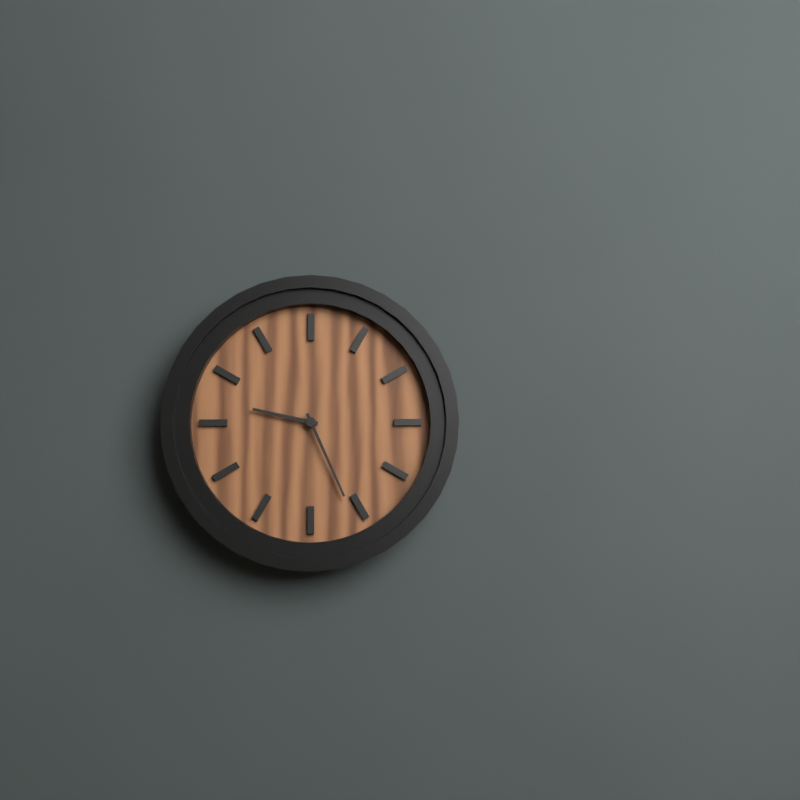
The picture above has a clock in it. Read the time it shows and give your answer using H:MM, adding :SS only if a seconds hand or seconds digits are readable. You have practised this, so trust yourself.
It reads 9:26
